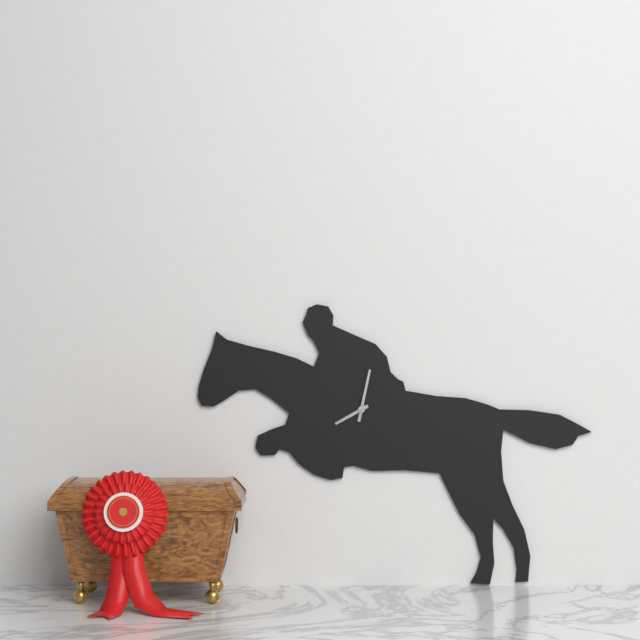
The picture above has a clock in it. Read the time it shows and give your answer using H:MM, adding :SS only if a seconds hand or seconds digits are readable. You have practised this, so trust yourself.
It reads 8:02
